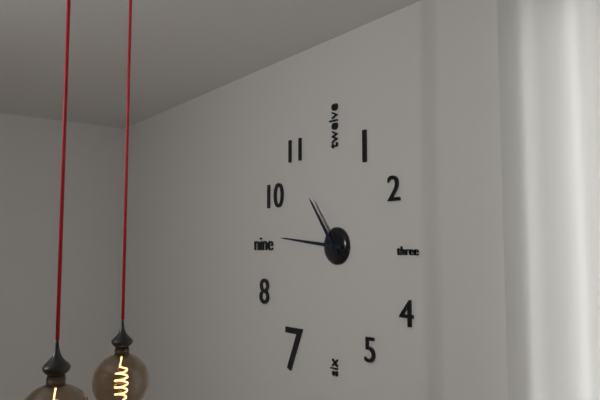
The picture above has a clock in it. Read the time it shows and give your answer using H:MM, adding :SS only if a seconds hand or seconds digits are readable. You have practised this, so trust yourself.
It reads 10:46
